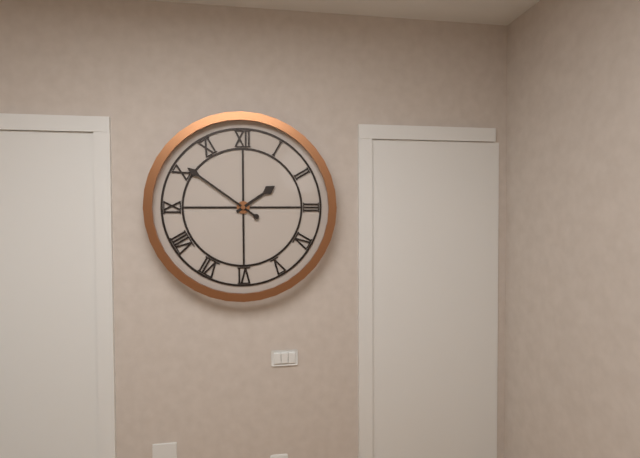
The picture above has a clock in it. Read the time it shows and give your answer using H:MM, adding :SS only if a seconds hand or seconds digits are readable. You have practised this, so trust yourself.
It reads 1:51
